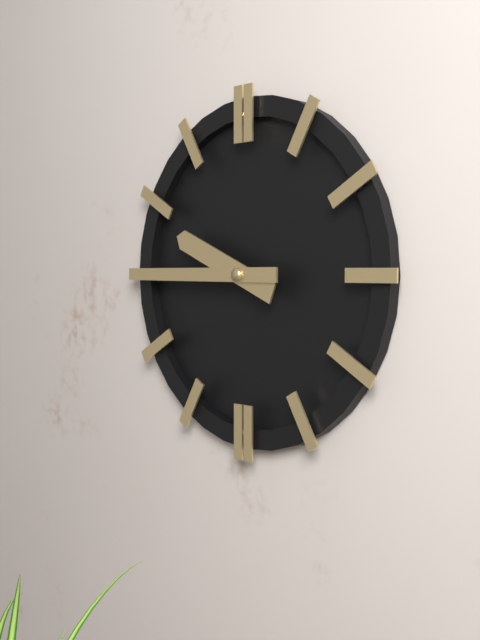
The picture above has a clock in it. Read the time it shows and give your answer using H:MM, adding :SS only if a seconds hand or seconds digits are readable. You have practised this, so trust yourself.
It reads 9:45
